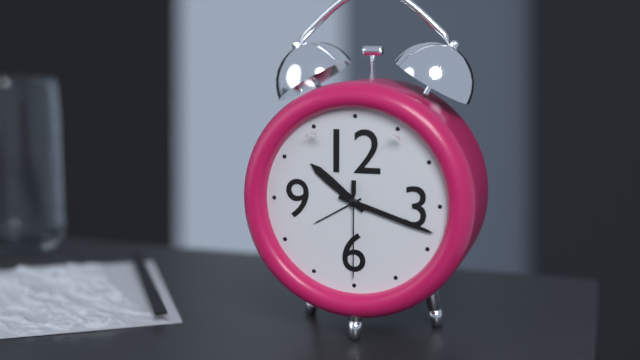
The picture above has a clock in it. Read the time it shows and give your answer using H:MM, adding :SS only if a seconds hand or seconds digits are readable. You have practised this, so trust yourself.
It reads 10:18:30
